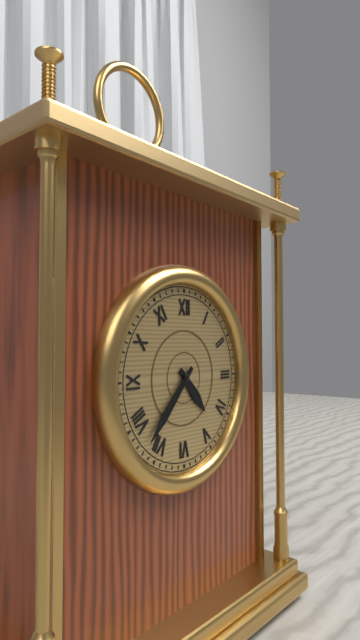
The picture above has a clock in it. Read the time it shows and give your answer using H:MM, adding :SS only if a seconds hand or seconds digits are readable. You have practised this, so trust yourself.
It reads 4:37
